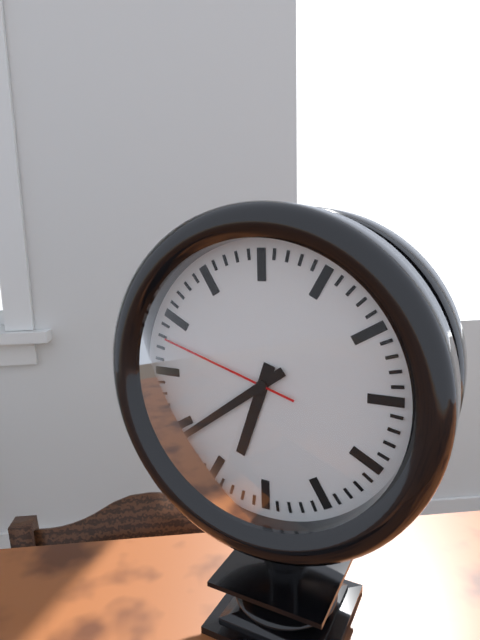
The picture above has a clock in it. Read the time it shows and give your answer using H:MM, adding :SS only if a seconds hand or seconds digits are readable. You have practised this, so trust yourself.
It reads 6:39:48
